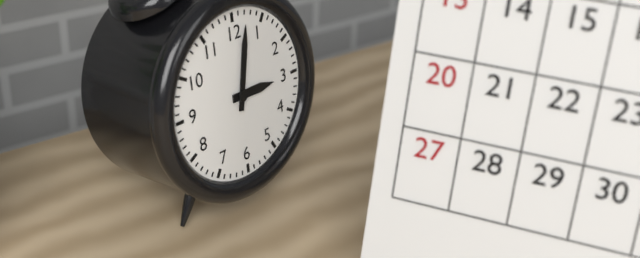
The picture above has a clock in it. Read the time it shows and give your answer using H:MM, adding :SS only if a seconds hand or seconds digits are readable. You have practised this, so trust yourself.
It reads 3:02
